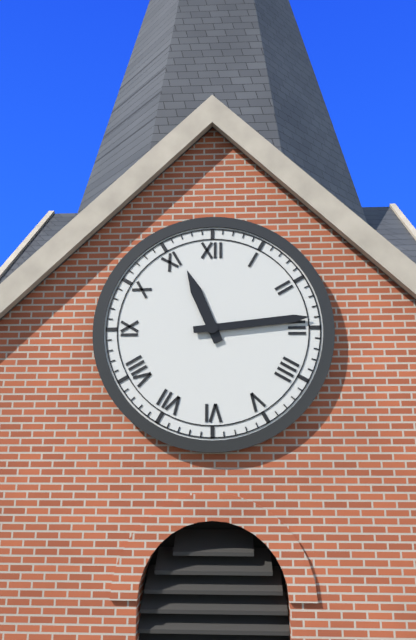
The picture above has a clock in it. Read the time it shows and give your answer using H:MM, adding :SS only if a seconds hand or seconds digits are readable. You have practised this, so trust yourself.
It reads 11:14
